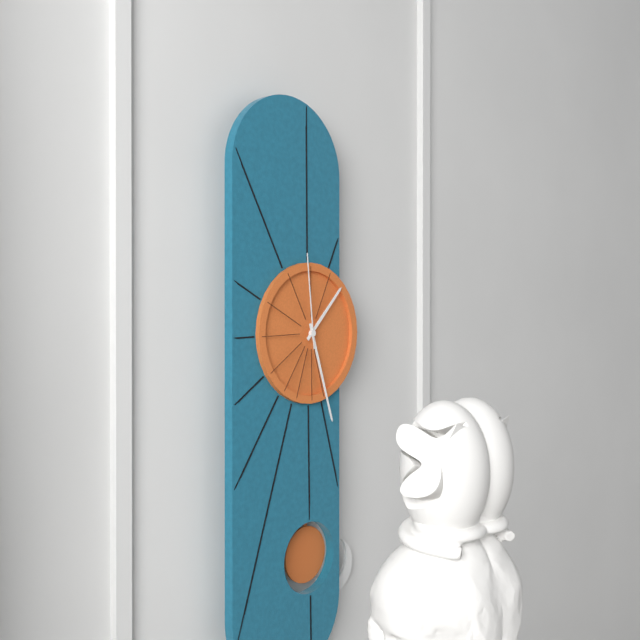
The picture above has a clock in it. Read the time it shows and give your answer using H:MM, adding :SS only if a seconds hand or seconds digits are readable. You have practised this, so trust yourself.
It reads 1:27:59
